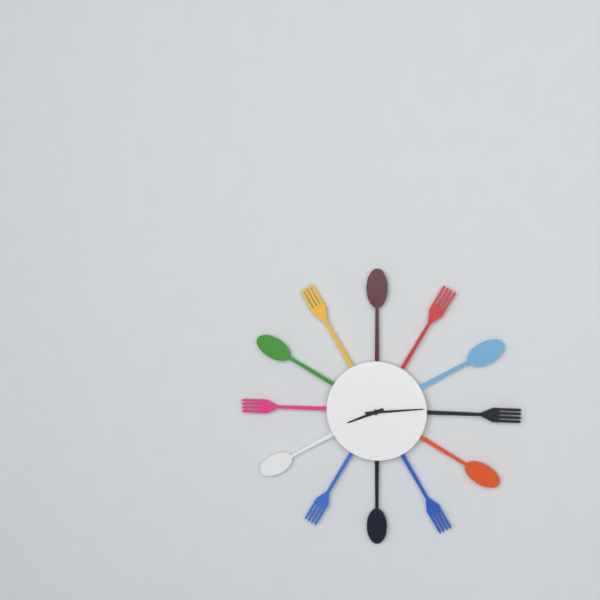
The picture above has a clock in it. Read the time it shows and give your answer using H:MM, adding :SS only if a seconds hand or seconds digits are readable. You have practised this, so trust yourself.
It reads 8:14
